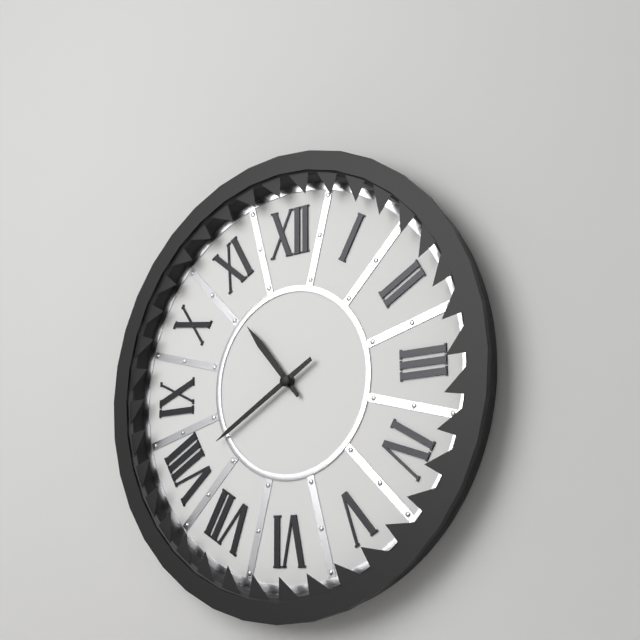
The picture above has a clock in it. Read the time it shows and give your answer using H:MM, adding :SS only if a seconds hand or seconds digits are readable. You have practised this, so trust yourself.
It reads 10:40
